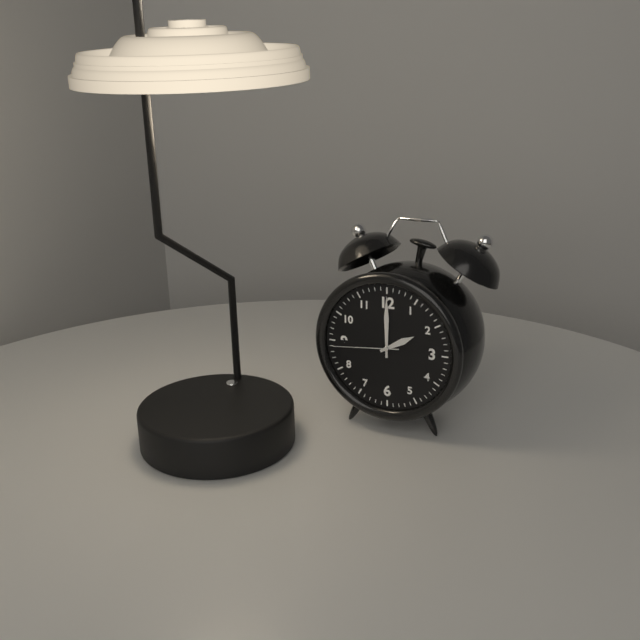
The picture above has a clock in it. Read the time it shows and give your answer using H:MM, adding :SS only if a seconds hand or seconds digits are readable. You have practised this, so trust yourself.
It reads 2:00:44
